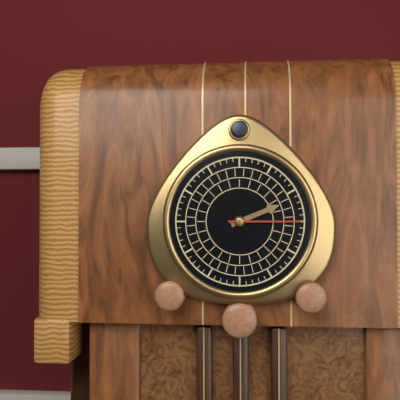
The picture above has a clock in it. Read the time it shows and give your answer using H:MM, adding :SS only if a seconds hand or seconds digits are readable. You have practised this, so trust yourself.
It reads 2:15
